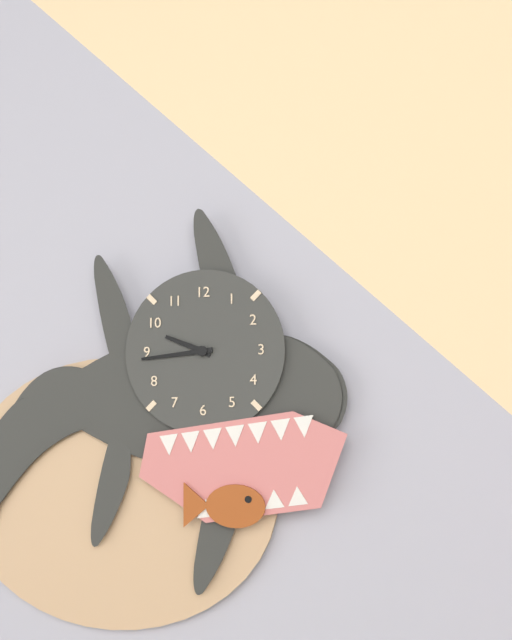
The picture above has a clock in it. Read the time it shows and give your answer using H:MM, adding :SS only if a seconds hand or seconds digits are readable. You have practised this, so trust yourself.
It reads 9:44
